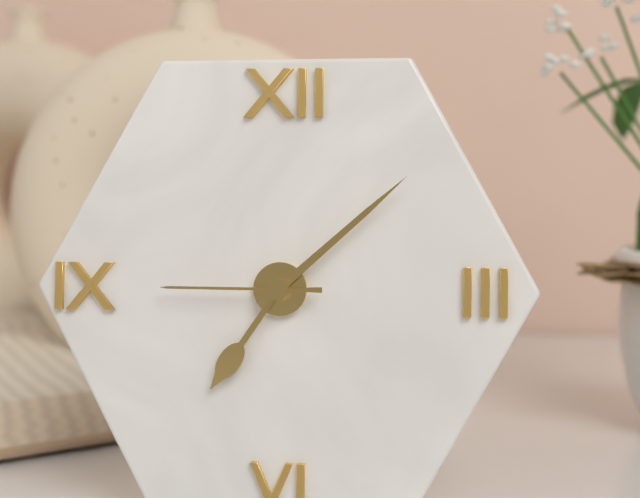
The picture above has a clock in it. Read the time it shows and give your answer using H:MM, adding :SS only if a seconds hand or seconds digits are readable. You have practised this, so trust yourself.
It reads 7:08:45
